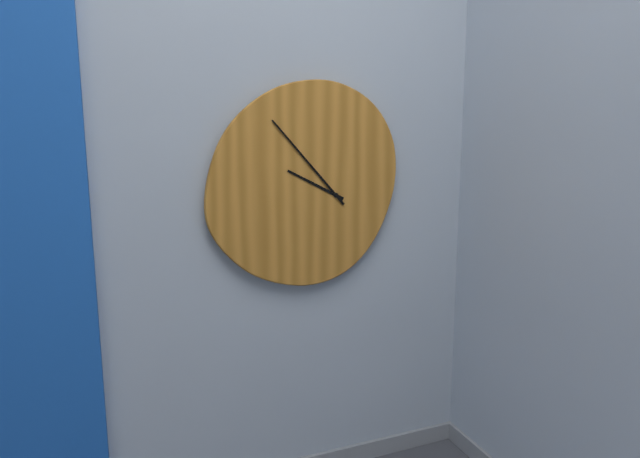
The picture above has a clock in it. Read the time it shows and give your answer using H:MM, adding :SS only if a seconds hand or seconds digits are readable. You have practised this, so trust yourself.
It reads 9:53
